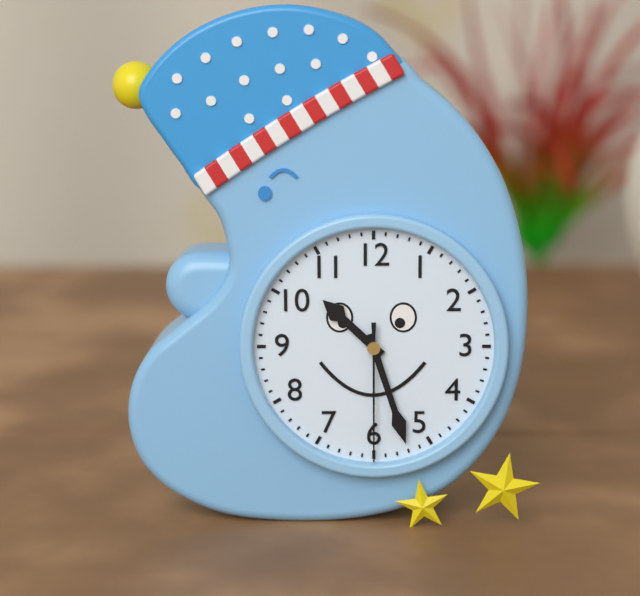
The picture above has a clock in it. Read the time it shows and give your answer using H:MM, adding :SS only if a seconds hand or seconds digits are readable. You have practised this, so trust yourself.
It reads 10:27:30
